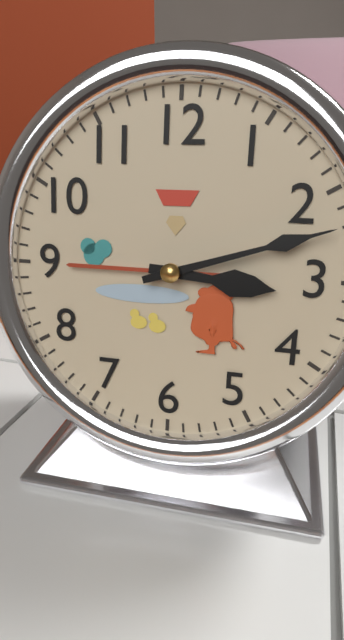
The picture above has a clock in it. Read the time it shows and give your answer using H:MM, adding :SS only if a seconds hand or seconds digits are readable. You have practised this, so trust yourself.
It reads 3:12
